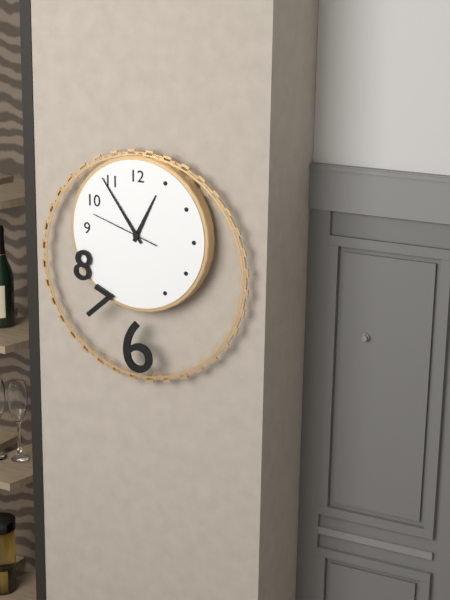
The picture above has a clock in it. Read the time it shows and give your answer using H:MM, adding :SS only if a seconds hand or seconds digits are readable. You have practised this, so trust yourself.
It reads 12:54:48
